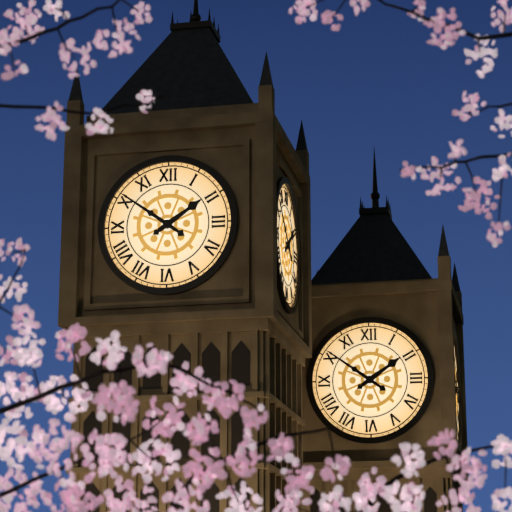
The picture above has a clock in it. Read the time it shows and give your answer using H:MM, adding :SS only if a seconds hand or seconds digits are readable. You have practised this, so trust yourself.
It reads 1:51
